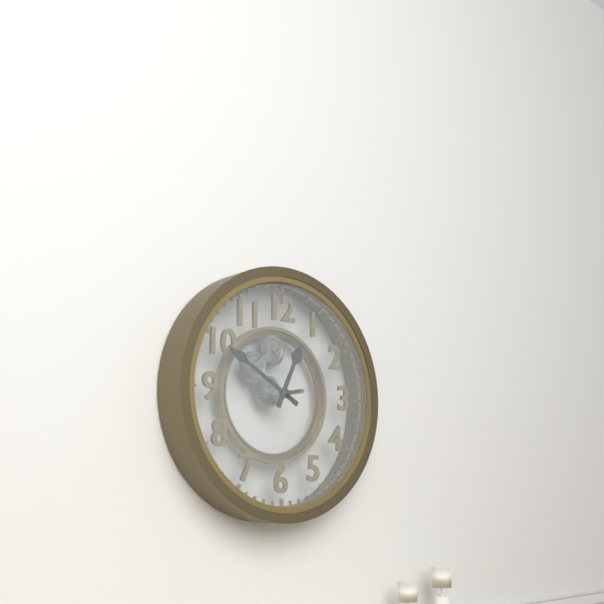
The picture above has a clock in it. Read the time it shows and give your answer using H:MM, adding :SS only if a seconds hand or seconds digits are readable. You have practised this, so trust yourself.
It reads 12:50
